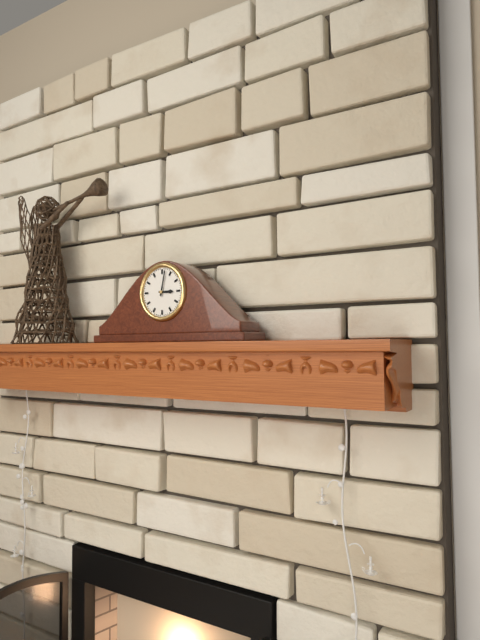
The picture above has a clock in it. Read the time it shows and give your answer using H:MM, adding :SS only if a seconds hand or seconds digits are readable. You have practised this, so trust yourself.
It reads 3:02
